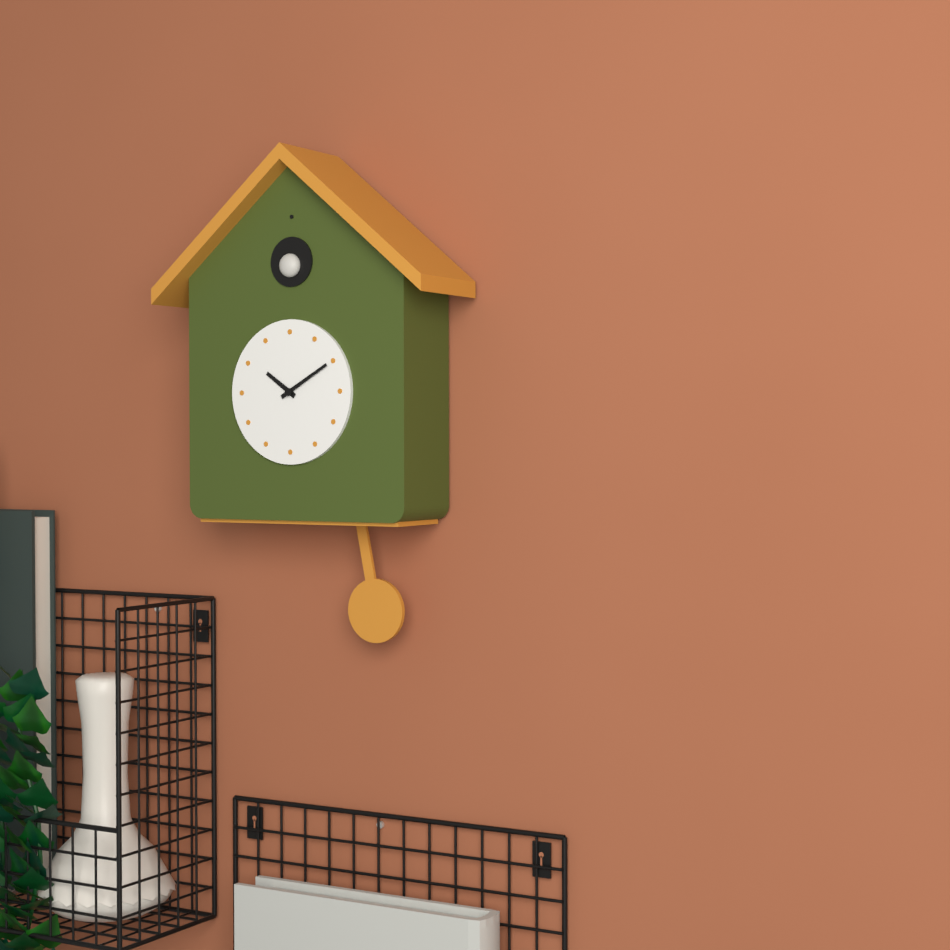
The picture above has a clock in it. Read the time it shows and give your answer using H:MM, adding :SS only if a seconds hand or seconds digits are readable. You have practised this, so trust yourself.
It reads 10:10
